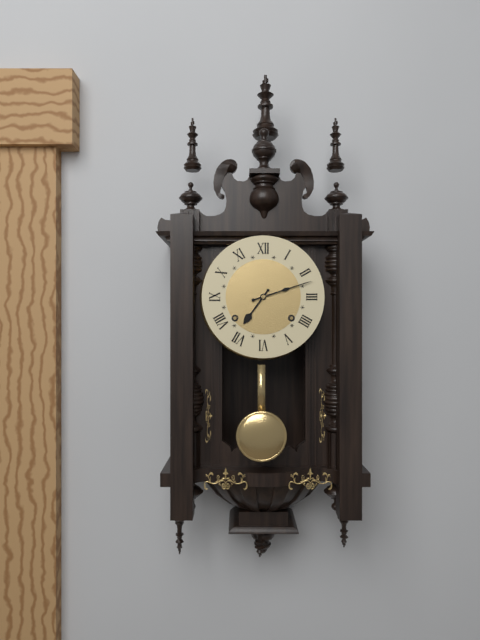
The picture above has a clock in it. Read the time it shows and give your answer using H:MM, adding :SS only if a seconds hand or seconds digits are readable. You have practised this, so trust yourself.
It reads 7:12
